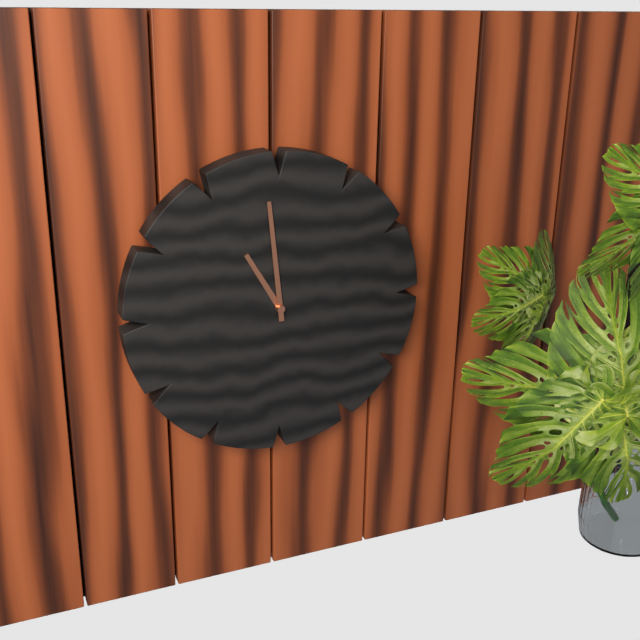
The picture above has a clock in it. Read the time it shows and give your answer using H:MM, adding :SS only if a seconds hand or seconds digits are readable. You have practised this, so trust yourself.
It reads 10:59
